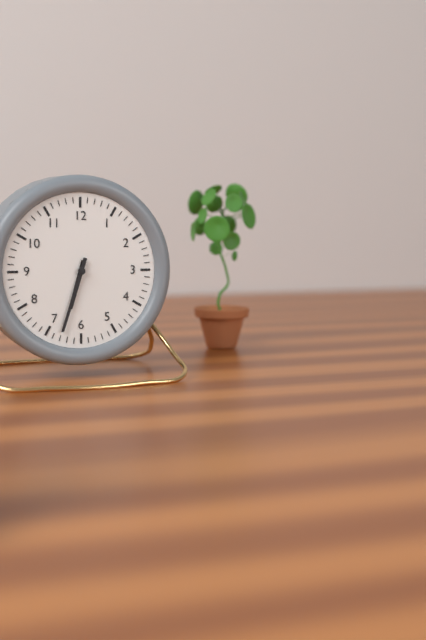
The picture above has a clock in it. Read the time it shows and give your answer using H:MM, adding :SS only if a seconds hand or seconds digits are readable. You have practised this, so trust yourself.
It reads 6:33
